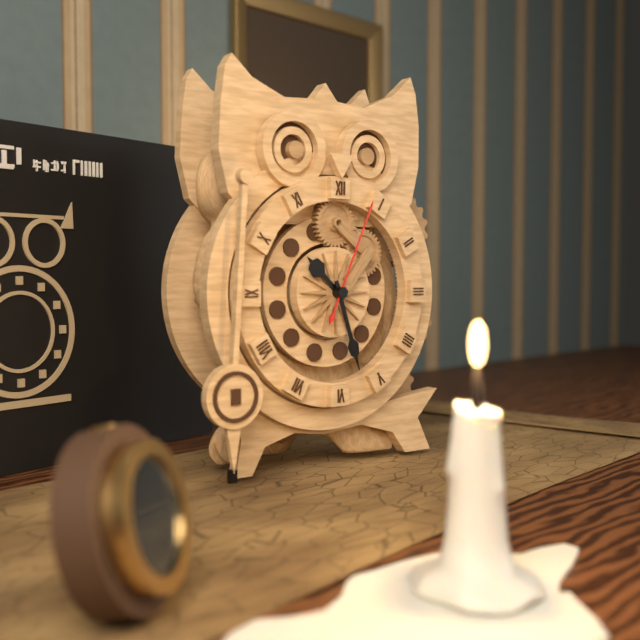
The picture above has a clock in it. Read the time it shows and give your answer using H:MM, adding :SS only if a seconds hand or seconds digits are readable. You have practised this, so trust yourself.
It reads 10:27:04
